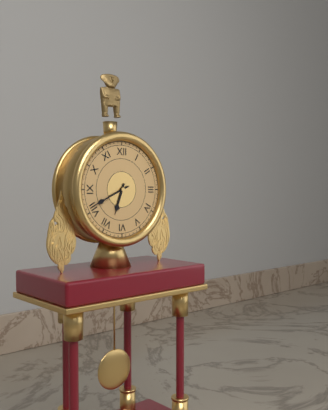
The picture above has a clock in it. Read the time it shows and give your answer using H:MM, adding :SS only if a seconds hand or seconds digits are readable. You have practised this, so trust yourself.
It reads 6:41
